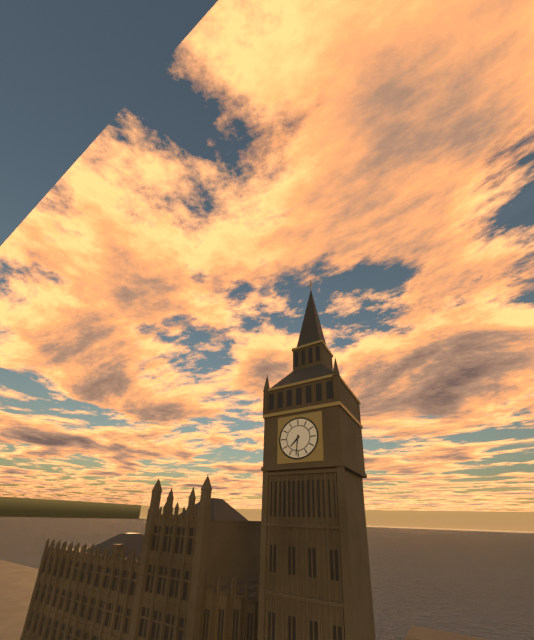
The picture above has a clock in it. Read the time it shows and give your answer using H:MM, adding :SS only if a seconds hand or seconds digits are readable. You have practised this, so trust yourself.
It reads 7:31
